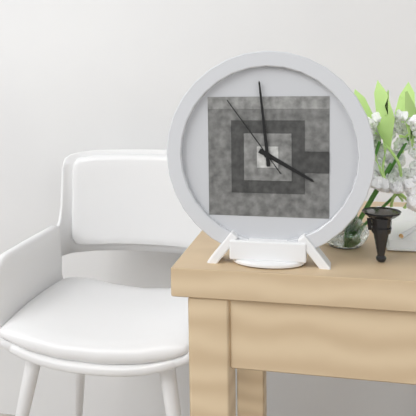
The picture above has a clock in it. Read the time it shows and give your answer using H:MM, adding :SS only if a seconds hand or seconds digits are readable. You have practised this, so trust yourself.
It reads 3:59:54
